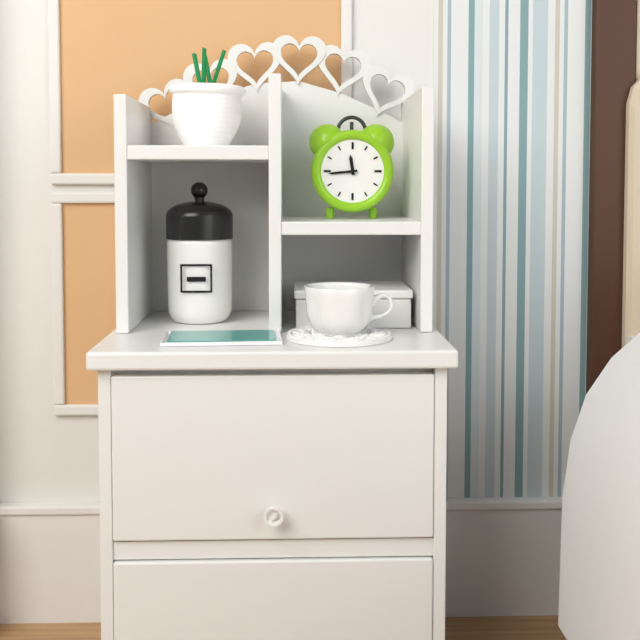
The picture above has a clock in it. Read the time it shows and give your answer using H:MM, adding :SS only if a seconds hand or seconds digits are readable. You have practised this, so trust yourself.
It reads 11:44
